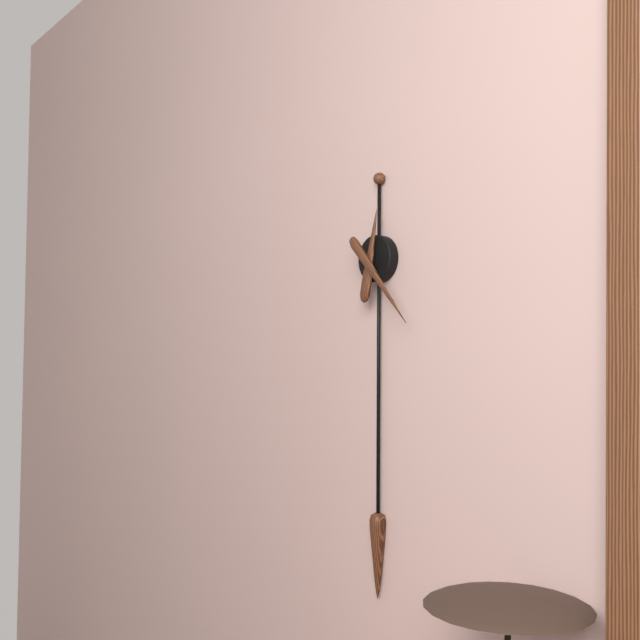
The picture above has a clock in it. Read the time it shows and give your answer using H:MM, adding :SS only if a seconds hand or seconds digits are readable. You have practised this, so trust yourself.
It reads 12:23
